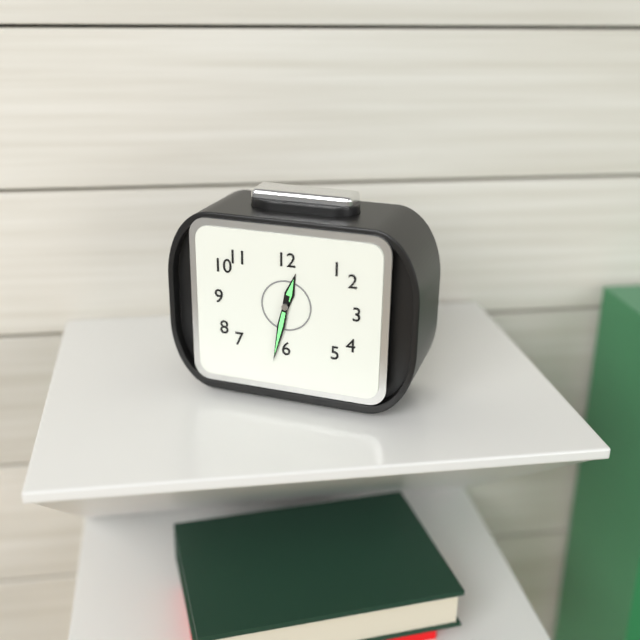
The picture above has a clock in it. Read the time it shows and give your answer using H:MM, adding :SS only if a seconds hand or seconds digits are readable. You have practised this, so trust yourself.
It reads 12:32
